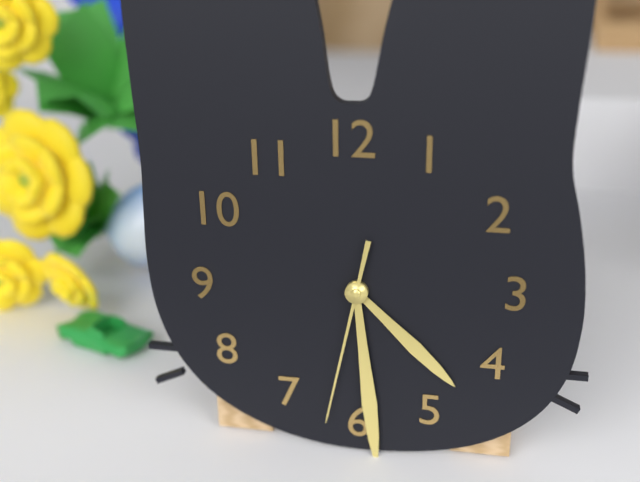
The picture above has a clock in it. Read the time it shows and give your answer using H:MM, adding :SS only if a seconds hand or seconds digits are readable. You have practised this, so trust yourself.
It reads 4:29:32
